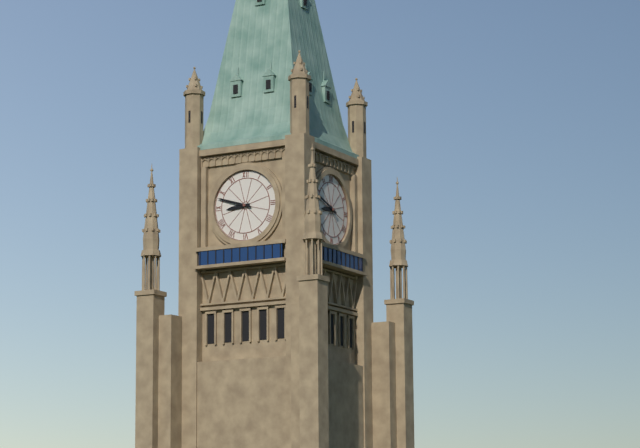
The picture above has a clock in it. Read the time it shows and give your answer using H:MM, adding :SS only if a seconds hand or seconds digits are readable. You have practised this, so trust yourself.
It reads 8:48
